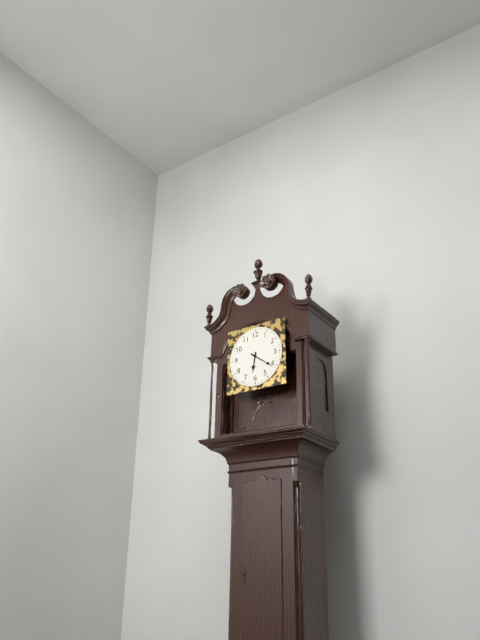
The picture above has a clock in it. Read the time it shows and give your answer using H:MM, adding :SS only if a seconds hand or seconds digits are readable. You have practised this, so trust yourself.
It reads 6:21
